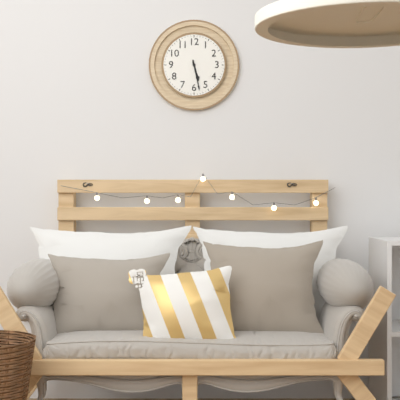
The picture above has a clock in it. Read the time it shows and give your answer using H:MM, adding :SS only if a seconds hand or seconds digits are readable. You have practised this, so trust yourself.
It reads 5:28
